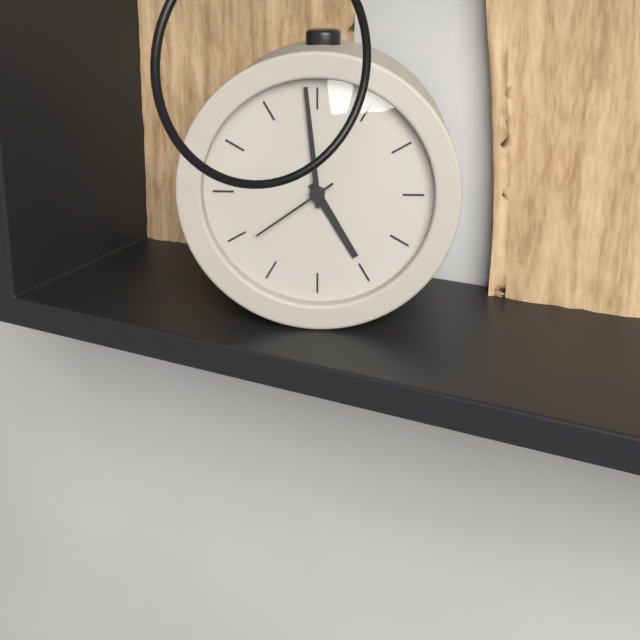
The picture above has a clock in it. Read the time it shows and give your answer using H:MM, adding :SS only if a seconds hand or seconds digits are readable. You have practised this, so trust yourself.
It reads 4:59:39
